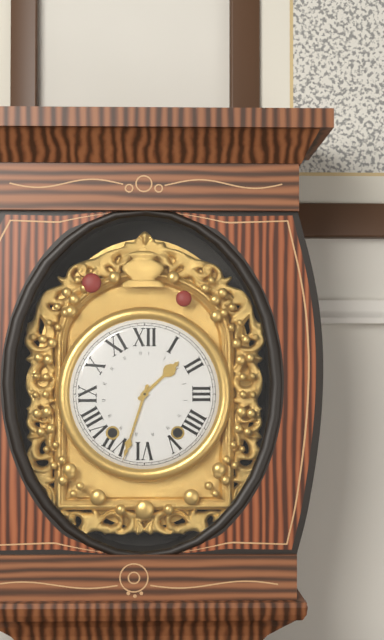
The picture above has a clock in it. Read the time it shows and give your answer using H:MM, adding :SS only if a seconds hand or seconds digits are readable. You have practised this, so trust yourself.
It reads 1:33
